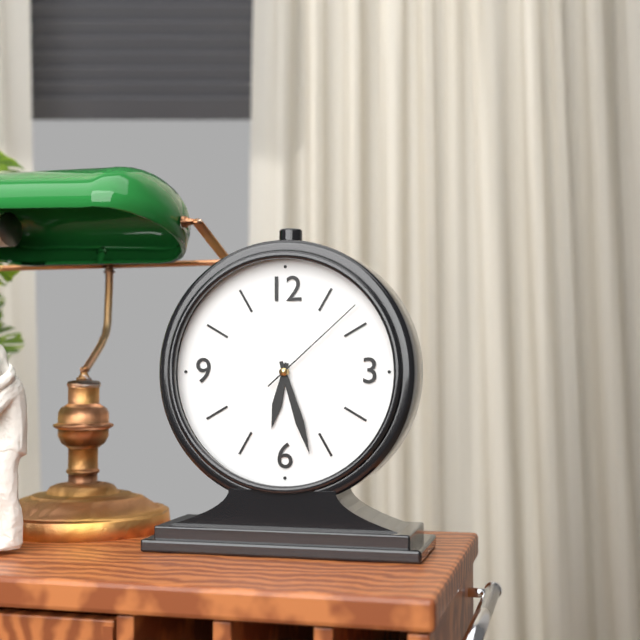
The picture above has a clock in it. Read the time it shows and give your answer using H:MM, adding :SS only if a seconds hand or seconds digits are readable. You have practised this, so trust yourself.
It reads 6:27:08
